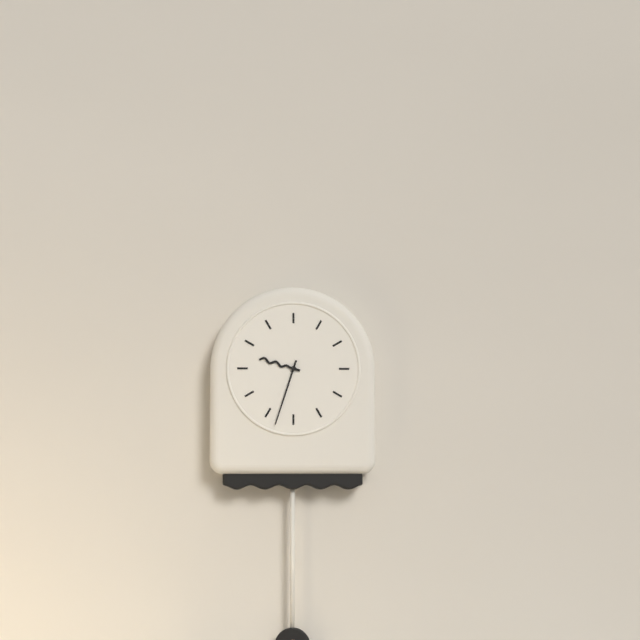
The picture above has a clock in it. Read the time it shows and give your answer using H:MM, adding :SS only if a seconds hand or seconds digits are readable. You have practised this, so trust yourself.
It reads 9:33
